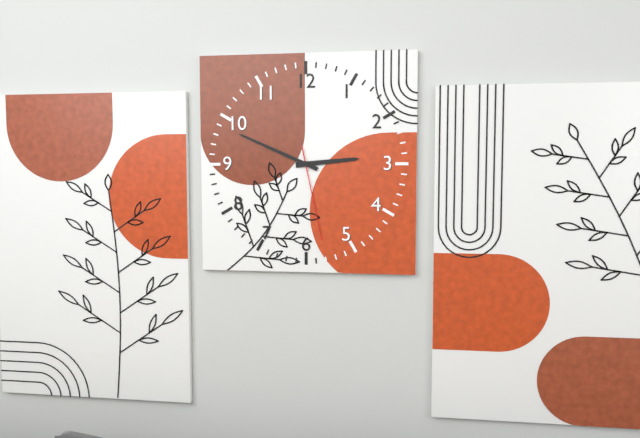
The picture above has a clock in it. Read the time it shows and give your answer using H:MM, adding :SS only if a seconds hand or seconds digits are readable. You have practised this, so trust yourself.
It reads 2:49:28
